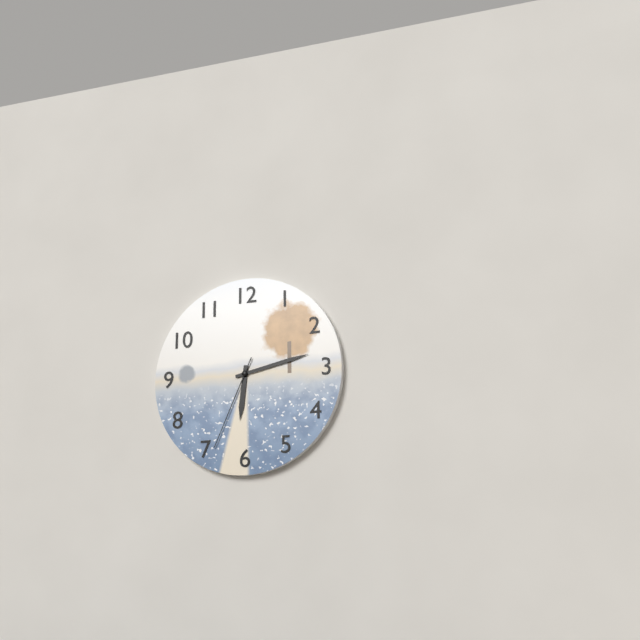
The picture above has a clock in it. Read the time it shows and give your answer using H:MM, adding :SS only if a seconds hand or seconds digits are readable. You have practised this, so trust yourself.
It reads 6:13:34
